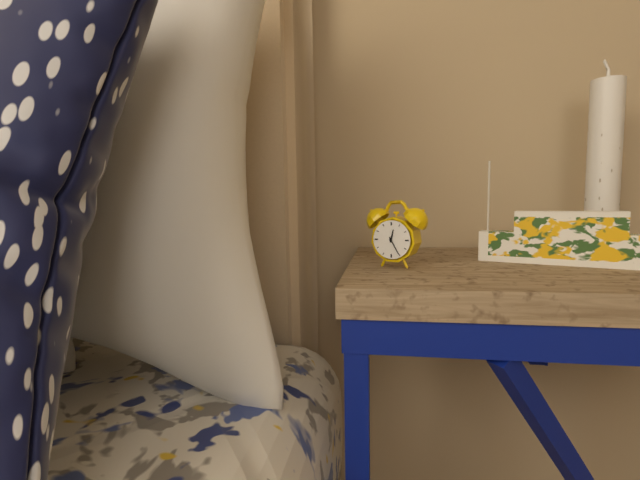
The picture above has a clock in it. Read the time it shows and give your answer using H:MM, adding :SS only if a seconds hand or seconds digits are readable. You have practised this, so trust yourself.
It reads 12:25
